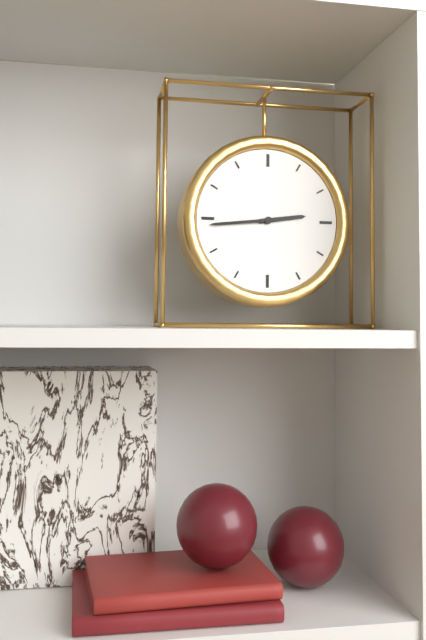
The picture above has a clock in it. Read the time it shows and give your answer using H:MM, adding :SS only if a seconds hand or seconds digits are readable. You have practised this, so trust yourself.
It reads 2:44
